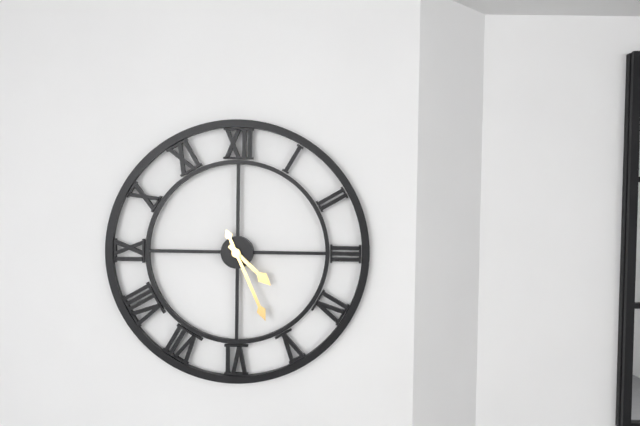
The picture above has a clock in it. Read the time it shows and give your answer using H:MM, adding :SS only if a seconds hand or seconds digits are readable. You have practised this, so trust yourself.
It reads 4:26
